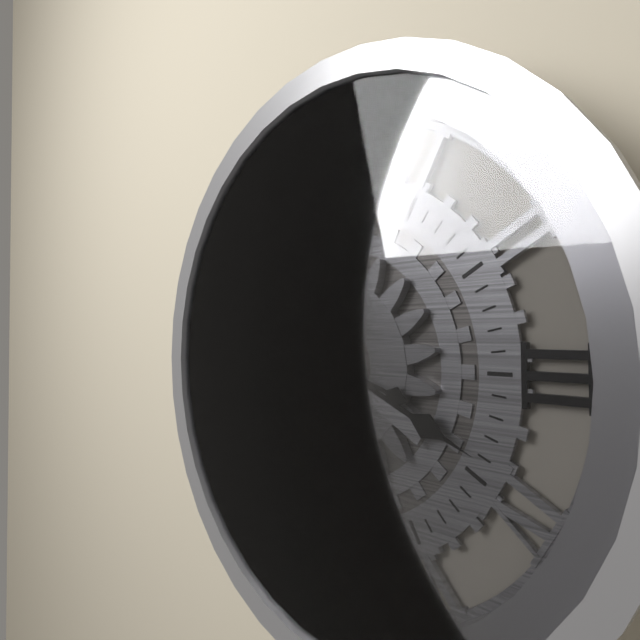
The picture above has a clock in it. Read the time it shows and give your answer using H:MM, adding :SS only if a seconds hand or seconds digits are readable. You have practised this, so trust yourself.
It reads 3:48
